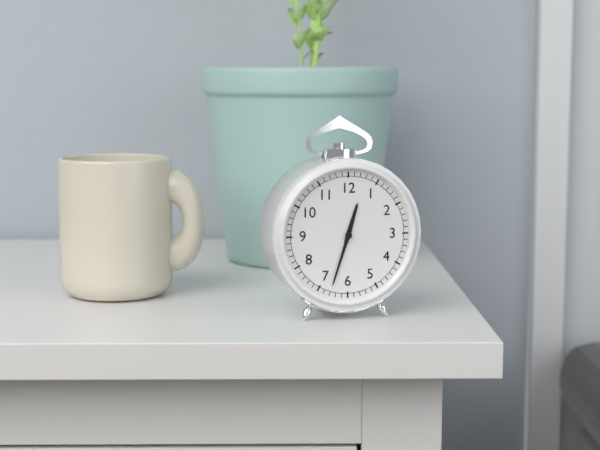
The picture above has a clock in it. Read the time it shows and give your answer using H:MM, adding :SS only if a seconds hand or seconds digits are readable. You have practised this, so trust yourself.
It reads 12:33
